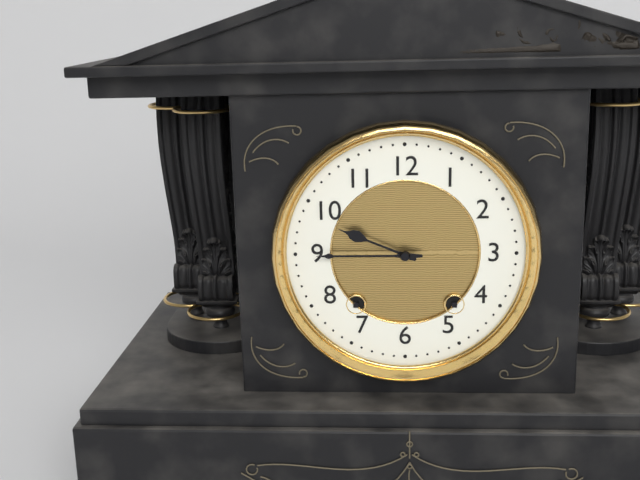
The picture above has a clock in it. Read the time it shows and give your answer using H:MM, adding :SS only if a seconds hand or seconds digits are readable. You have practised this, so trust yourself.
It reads 9:45
